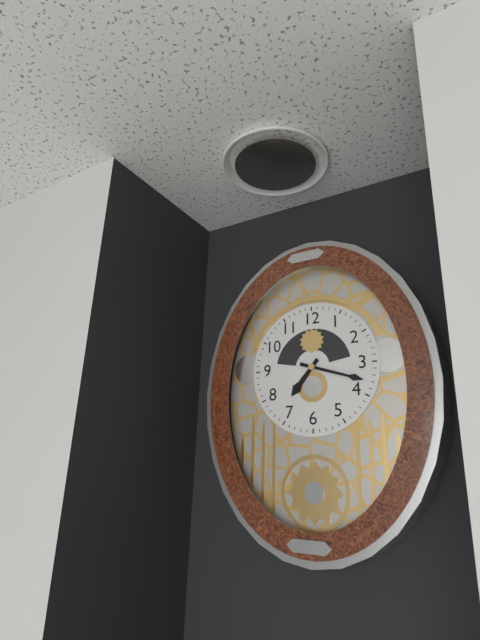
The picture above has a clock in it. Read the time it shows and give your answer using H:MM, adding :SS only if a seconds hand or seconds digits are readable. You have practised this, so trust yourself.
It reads 7:18
